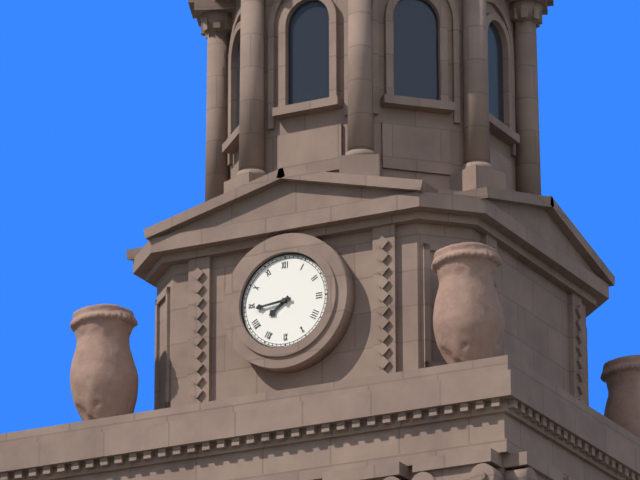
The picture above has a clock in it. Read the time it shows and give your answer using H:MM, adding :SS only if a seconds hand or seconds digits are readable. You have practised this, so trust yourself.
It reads 7:44
